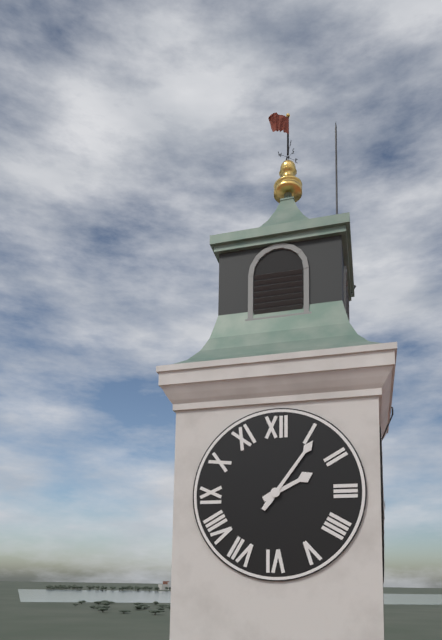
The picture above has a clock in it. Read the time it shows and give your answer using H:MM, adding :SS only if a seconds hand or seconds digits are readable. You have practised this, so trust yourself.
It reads 2:06
